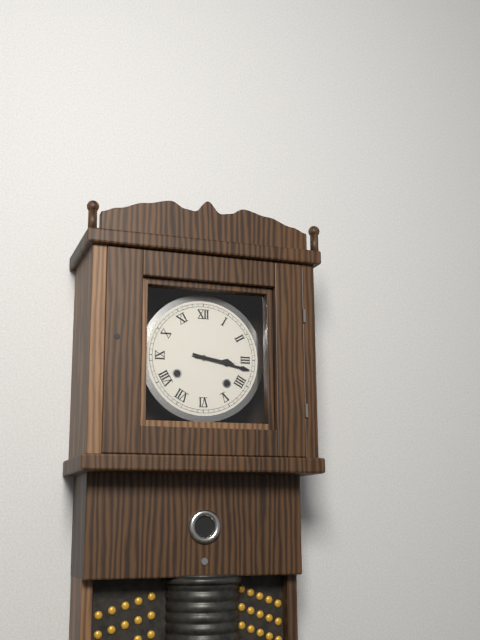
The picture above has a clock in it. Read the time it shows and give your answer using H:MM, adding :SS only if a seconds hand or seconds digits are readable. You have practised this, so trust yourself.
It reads 3:17
